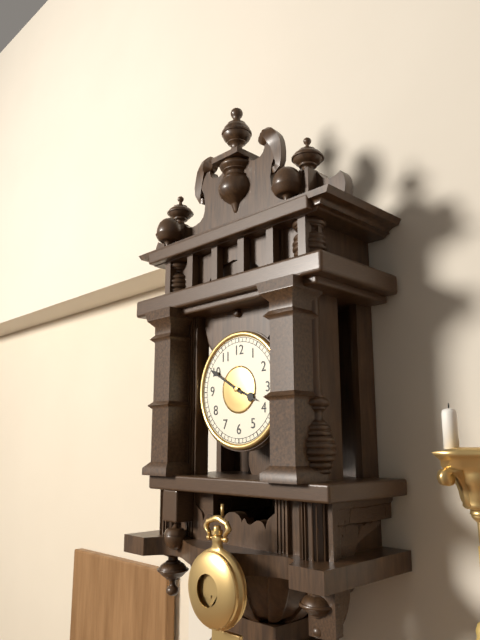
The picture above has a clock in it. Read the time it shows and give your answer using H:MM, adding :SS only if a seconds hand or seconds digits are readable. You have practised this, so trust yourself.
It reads 3:50
